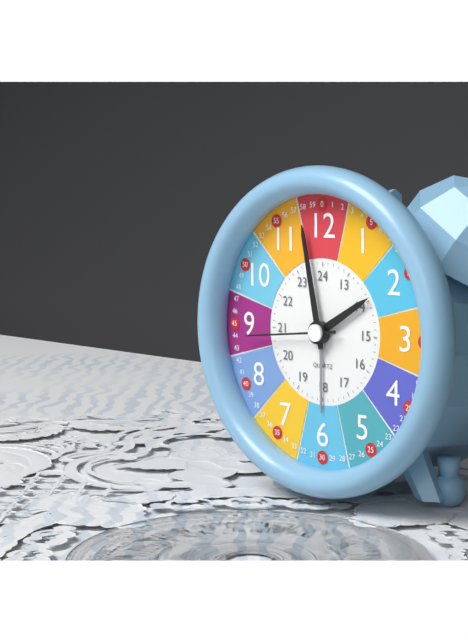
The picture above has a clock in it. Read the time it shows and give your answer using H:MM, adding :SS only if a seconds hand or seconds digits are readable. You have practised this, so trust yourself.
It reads 1:58:44
